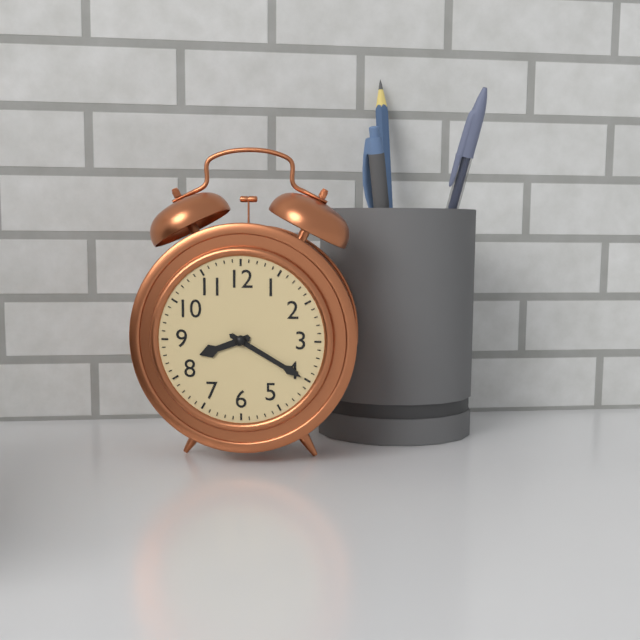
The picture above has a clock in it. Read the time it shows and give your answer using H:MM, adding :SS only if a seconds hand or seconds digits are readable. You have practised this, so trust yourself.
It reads 8:20
